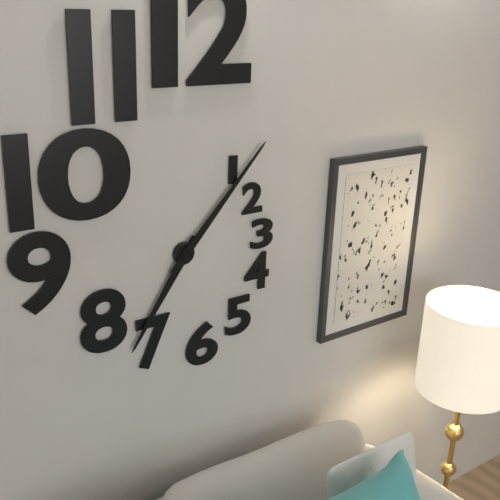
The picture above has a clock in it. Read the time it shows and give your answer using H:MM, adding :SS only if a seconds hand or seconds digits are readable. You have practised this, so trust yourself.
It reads 7:07
